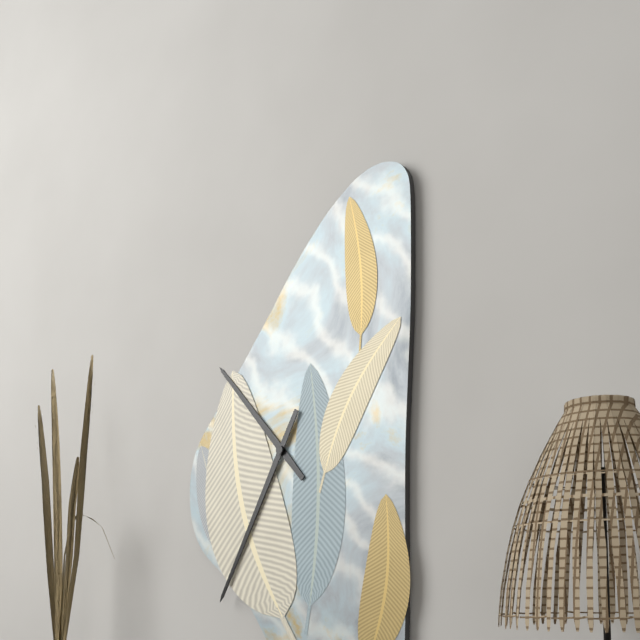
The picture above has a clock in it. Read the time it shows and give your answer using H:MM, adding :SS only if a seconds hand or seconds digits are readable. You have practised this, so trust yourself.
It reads 10:35
